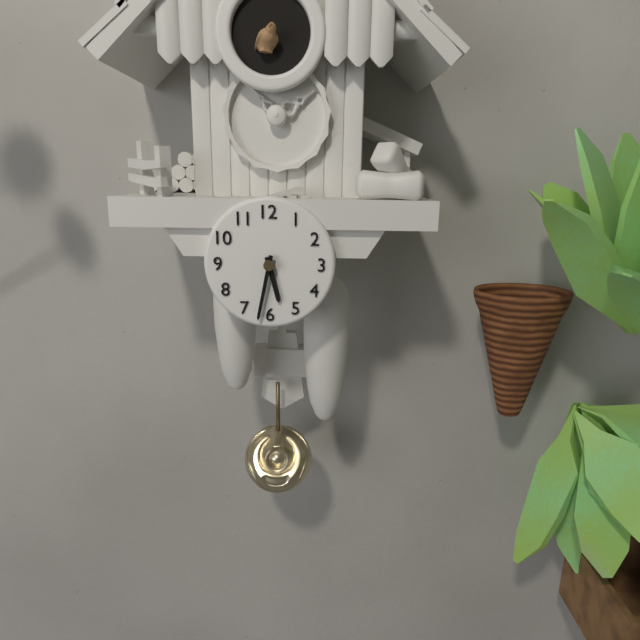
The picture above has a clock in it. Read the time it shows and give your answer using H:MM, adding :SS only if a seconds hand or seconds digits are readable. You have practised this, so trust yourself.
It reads 5:32
